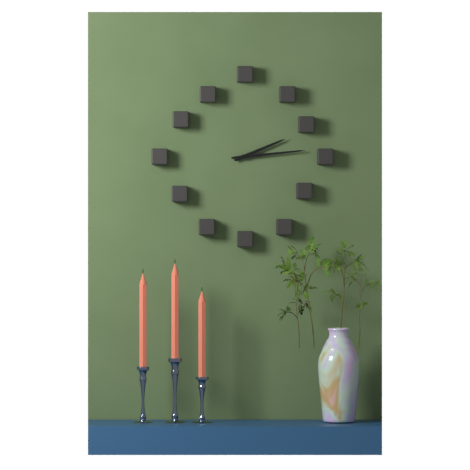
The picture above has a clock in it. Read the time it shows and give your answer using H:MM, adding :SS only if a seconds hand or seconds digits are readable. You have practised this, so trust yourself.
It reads 2:14
